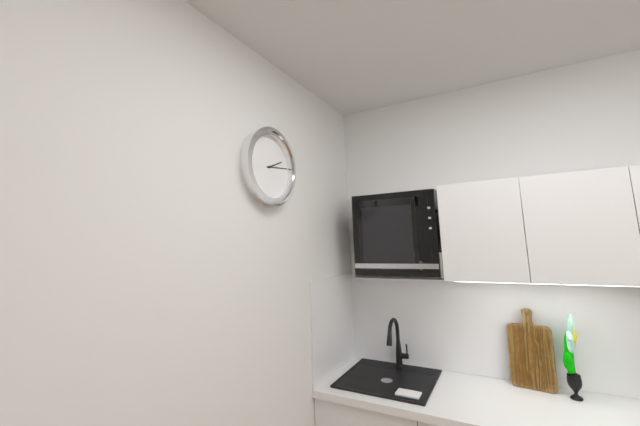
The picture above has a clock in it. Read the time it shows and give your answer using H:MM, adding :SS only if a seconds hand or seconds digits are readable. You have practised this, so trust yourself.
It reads 2:14
